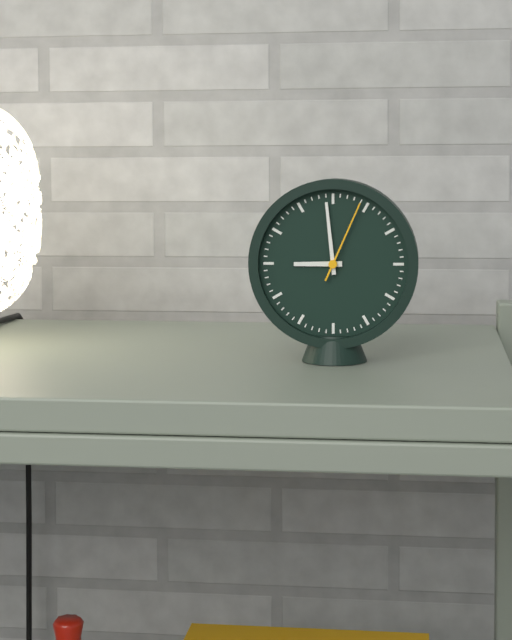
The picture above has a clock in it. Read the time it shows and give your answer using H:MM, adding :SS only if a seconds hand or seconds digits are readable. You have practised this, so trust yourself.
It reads 8:59:04
